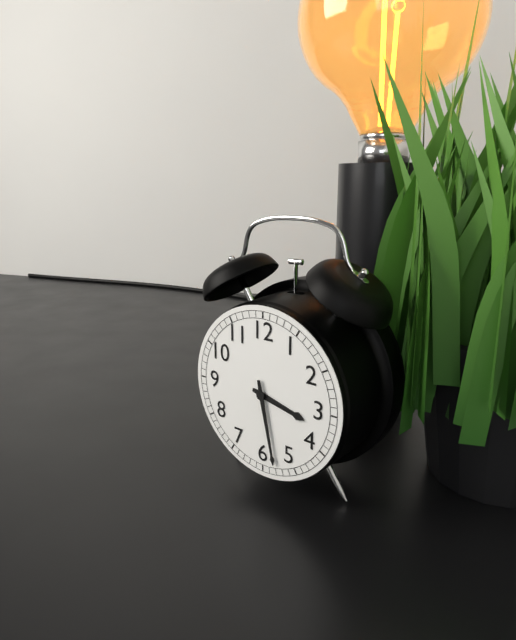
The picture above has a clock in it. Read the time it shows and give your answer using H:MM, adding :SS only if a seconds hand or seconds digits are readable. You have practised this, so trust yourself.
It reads 3:28
